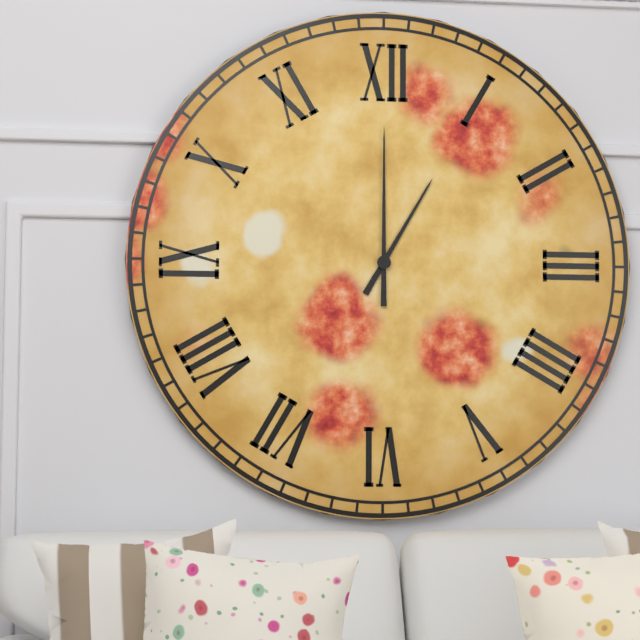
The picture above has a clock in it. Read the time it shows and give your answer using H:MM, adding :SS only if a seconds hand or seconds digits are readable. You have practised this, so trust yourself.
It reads 1:00
